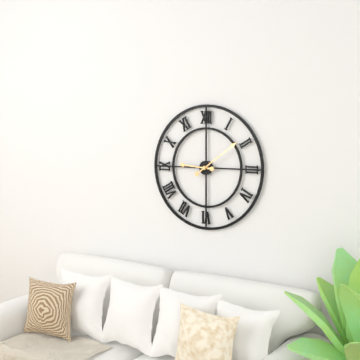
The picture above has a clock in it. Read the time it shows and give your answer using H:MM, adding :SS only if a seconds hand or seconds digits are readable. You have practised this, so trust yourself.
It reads 9:09
